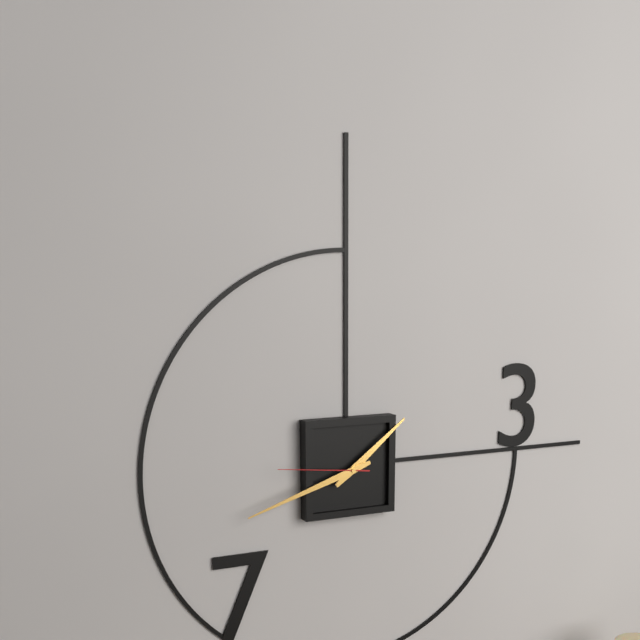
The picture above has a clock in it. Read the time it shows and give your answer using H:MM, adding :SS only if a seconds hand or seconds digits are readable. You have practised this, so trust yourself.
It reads 1:42:46
